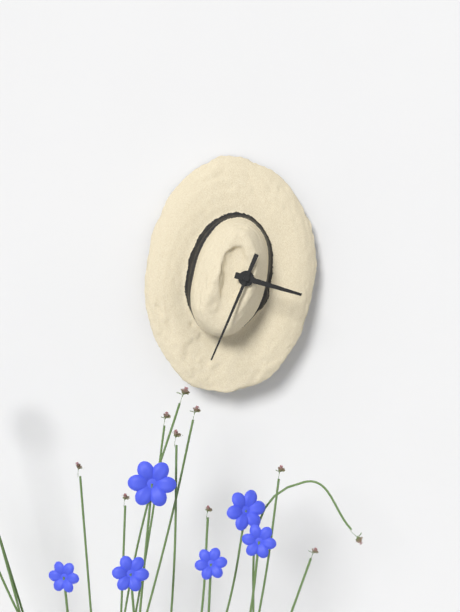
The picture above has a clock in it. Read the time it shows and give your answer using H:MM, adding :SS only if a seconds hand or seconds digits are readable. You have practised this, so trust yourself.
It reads 3:34
